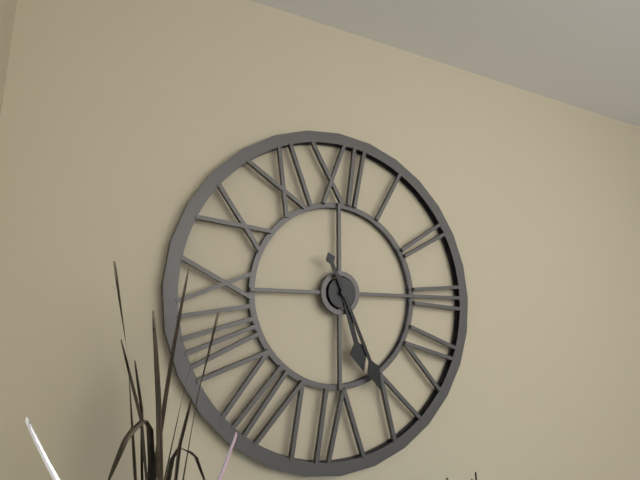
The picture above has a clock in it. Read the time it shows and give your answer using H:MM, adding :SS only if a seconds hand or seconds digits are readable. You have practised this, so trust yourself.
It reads 5:26
